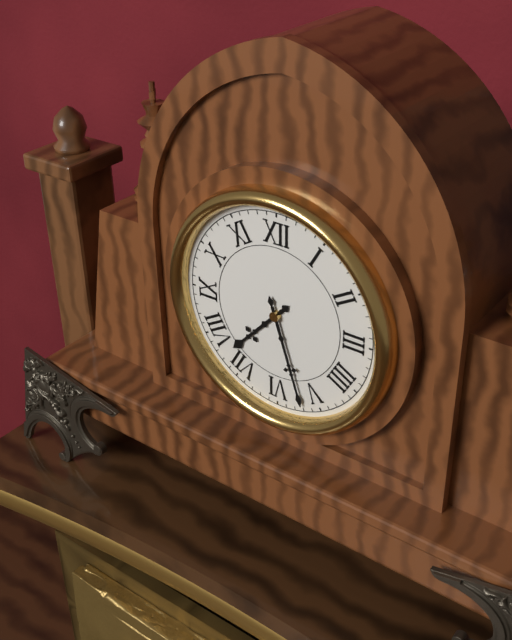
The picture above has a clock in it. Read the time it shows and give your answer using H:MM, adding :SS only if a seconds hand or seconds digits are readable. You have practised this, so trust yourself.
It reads 7:27
